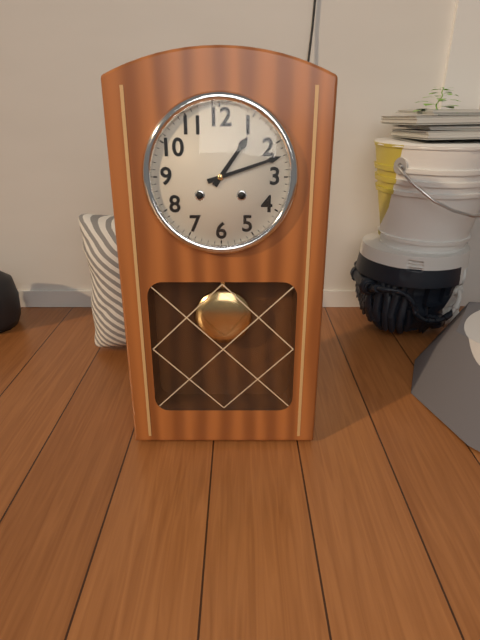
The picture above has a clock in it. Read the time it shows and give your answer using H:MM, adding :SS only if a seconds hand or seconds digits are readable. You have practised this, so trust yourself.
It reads 1:12
